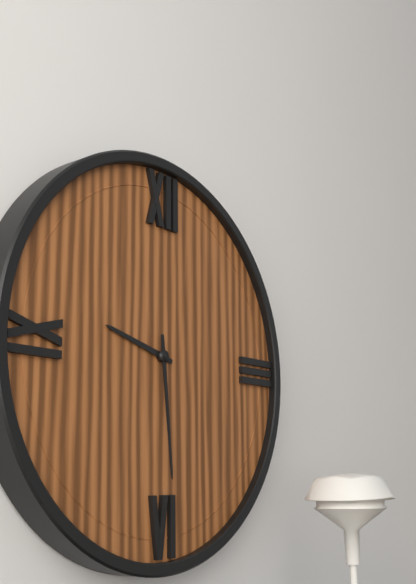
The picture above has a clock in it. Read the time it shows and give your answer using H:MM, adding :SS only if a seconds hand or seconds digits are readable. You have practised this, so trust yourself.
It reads 9:29
